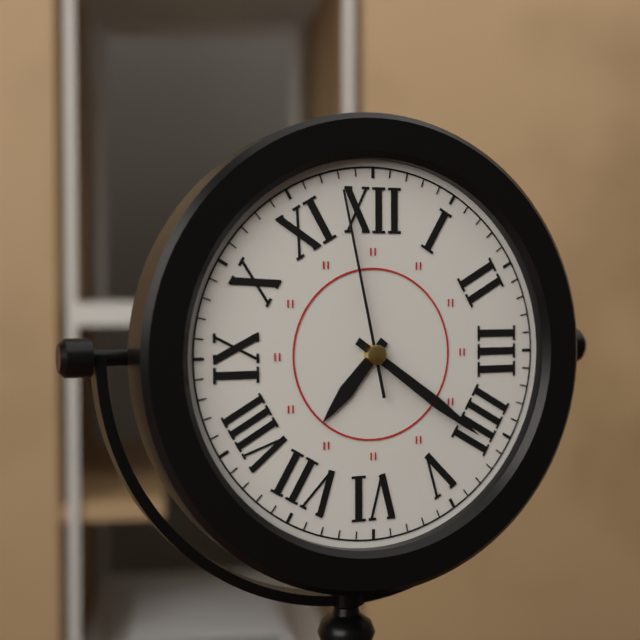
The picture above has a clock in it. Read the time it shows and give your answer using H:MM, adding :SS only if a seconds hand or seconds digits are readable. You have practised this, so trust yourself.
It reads 7:21:58
